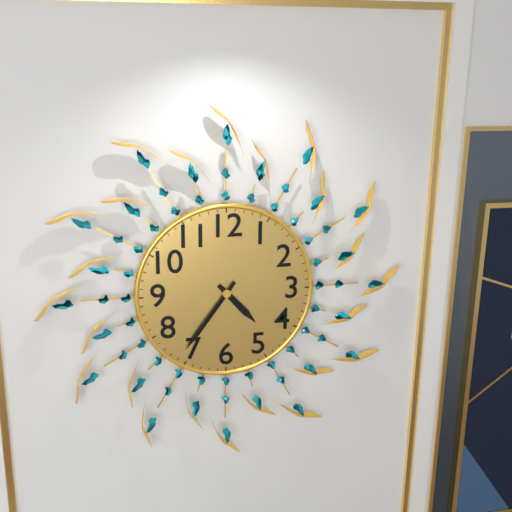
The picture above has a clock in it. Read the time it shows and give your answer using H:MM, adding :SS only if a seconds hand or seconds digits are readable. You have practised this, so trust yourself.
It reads 4:36
